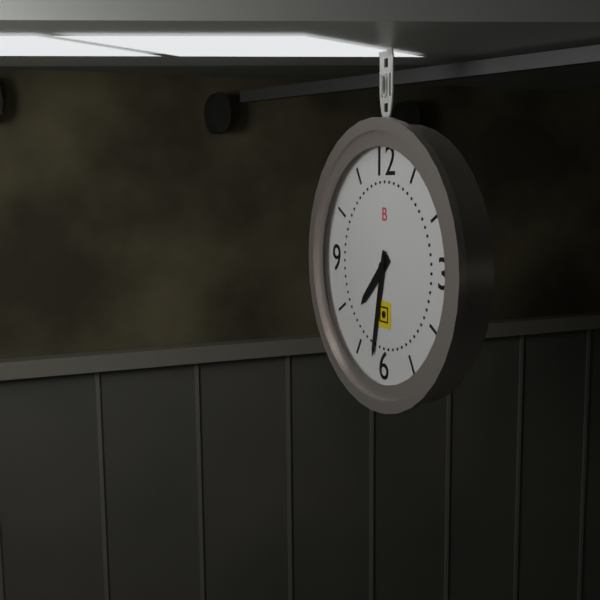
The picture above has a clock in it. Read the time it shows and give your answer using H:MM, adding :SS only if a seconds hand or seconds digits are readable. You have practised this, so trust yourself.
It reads 7:32
